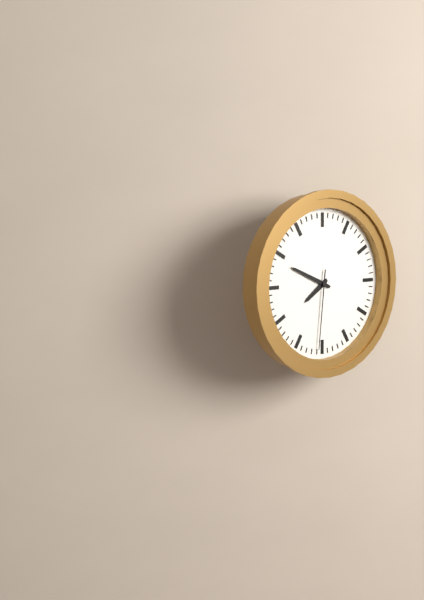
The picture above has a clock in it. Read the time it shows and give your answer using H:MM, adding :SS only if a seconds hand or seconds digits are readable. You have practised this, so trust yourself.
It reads 7:49:31
